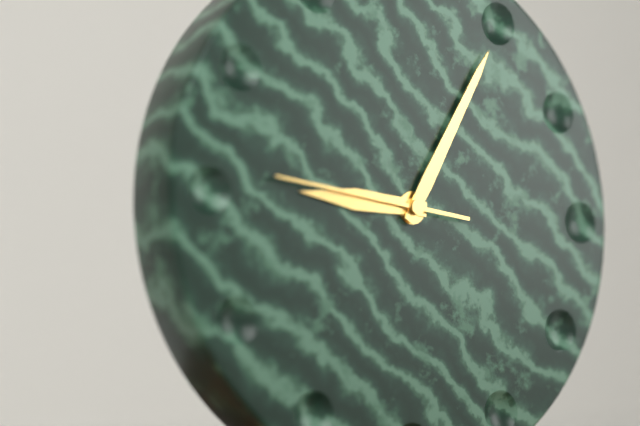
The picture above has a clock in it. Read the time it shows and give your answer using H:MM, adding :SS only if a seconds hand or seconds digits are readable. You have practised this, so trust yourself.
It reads 9:05:46
